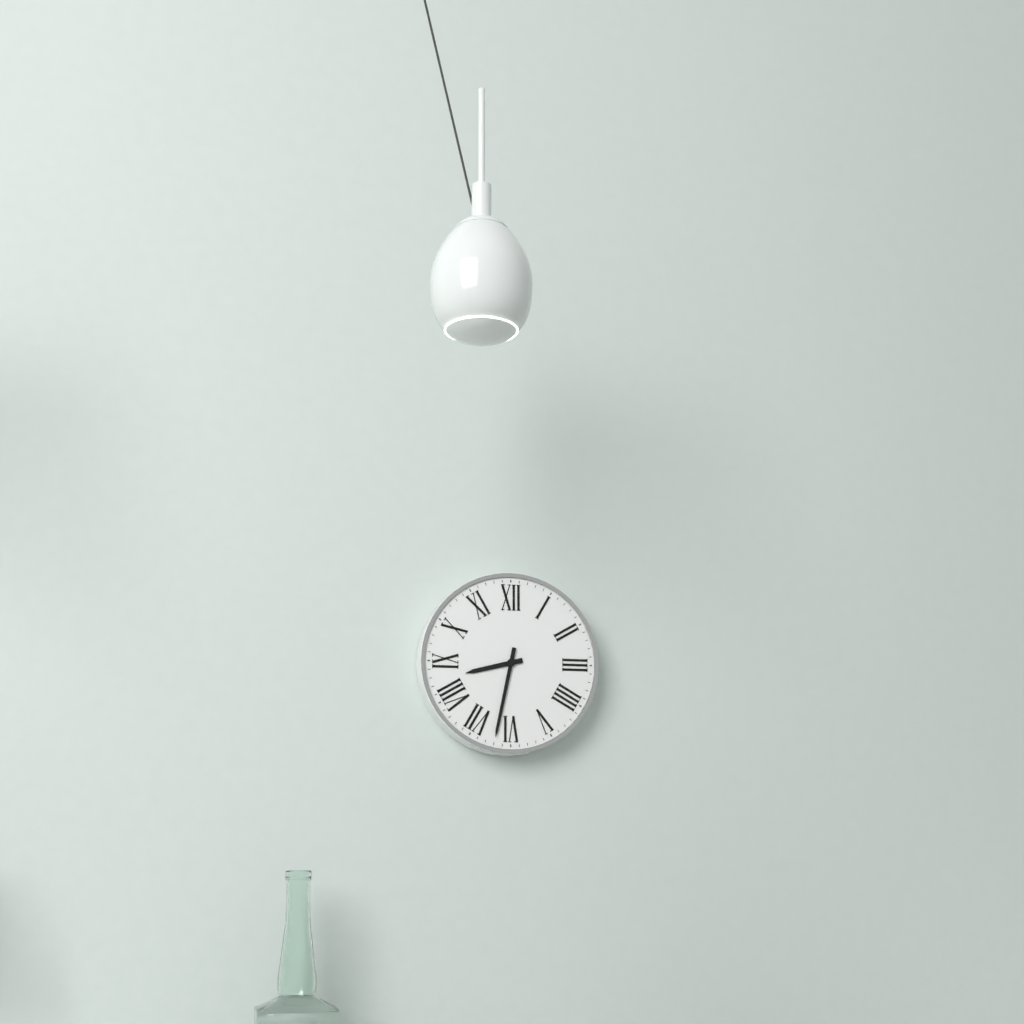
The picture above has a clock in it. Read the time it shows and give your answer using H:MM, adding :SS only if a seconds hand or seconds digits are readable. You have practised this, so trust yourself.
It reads 8:32
